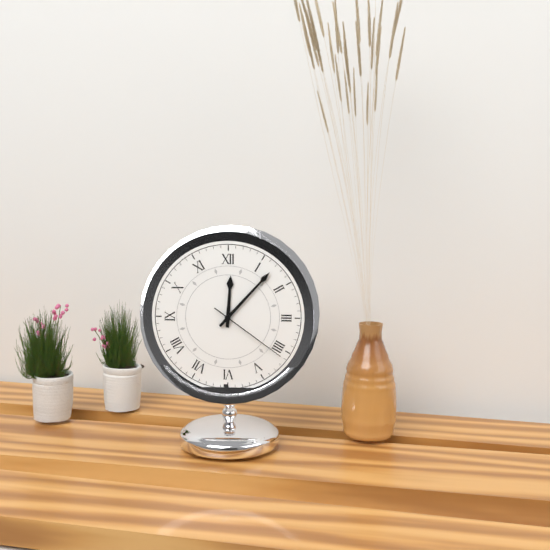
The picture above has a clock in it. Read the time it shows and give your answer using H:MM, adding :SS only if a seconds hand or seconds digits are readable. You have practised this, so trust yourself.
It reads 12:07:21
